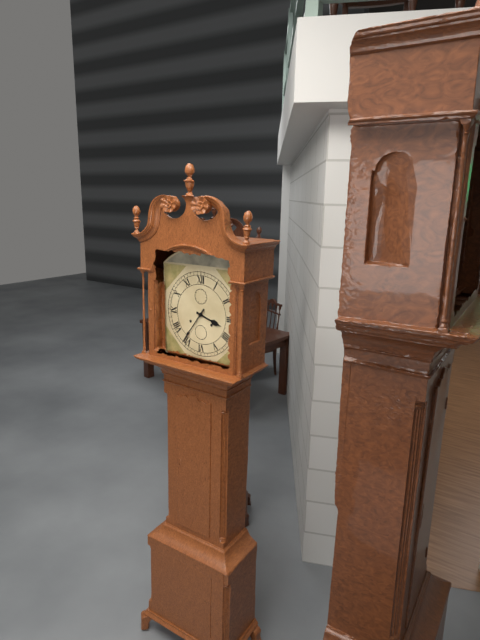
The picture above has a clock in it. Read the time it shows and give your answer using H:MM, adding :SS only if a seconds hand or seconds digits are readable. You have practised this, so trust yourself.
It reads 3:36
